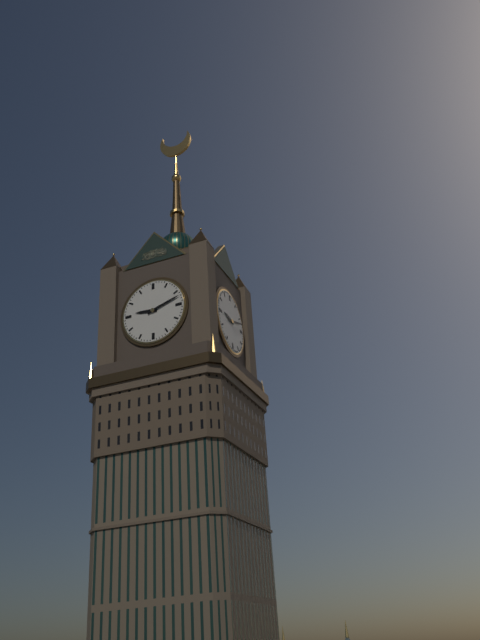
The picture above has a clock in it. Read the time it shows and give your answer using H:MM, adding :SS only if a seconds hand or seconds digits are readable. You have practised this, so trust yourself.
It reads 9:12
